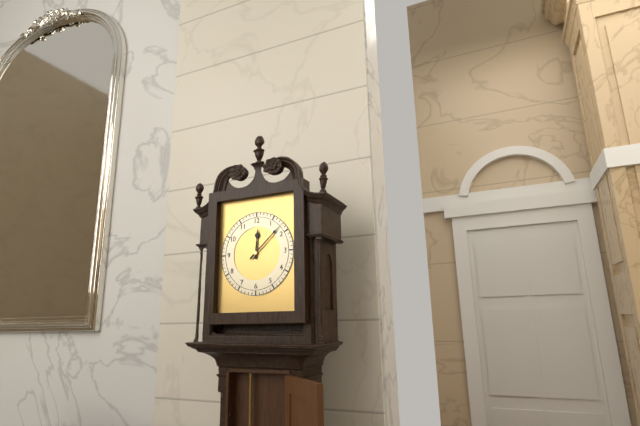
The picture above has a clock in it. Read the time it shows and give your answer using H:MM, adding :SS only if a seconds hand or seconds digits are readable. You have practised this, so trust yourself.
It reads 12:08
